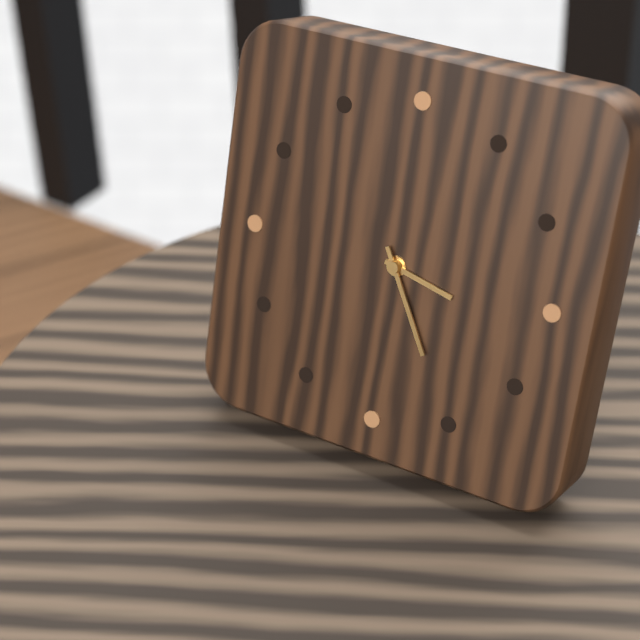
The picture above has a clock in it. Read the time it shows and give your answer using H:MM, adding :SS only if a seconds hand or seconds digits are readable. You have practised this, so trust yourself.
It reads 3:25
